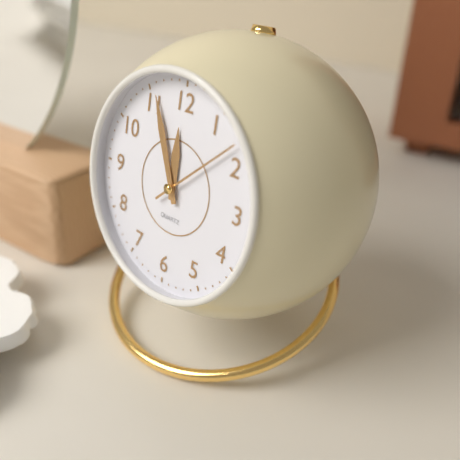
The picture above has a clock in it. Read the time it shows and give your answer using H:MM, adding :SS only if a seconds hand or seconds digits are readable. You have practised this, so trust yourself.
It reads 11:56:08
